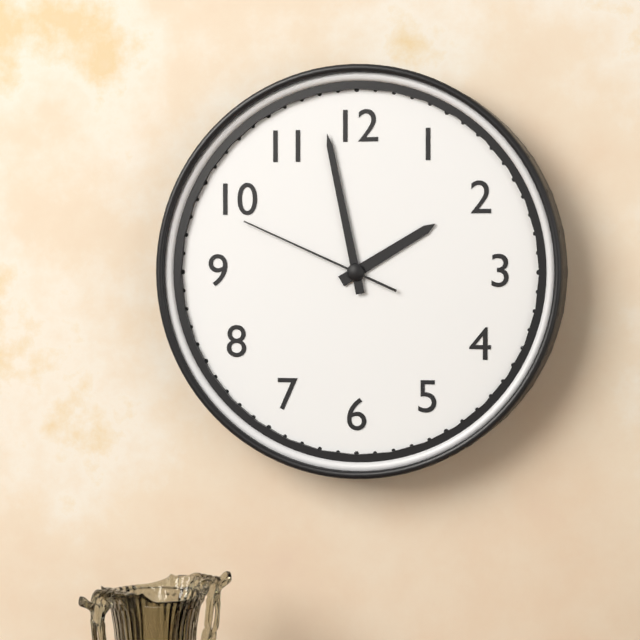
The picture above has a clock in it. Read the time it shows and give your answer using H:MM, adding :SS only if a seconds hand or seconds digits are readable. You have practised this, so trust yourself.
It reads 1:58:49
